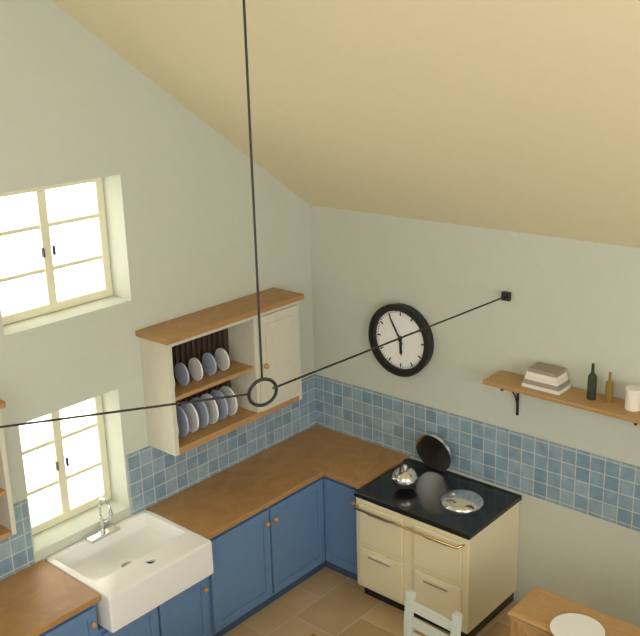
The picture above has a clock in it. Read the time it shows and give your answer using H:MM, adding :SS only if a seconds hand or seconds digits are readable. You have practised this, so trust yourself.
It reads 5:55
